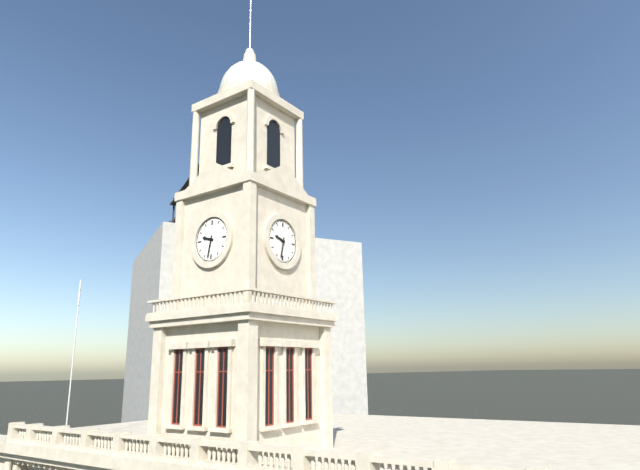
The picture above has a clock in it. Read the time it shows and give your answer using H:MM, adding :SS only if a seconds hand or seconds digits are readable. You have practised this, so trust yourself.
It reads 9:32
